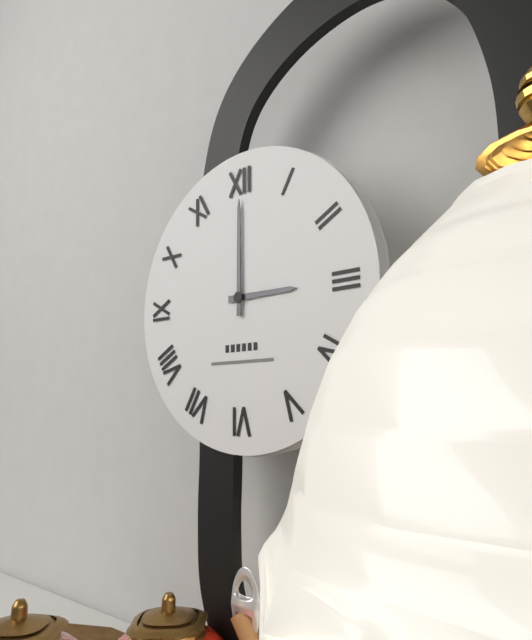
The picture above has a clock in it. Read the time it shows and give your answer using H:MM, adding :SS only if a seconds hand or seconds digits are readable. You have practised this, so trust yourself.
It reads 3:00
